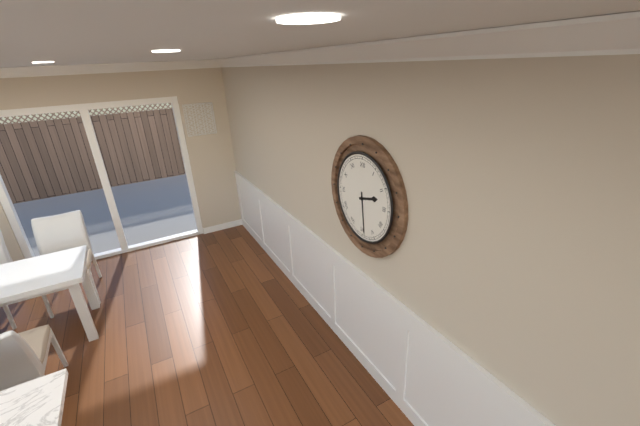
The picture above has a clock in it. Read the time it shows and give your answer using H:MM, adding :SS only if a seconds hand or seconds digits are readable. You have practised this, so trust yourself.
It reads 2:29
